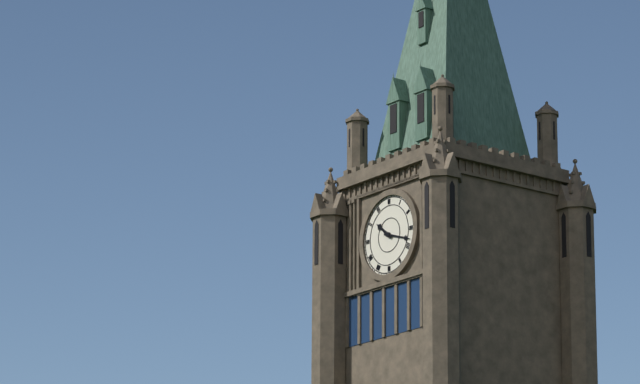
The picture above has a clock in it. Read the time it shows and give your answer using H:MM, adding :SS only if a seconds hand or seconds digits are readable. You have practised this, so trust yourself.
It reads 10:18
